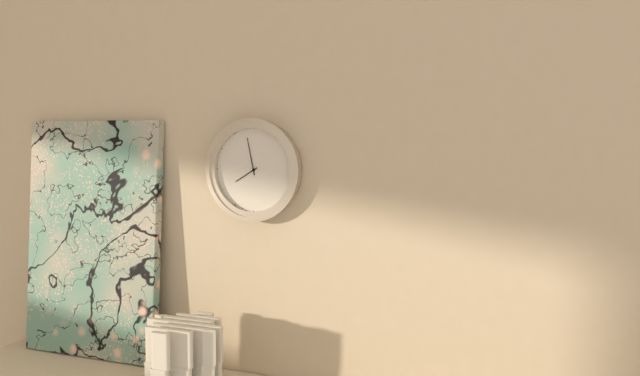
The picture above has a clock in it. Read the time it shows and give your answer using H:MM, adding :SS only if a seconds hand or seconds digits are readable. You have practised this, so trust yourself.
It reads 7:58
